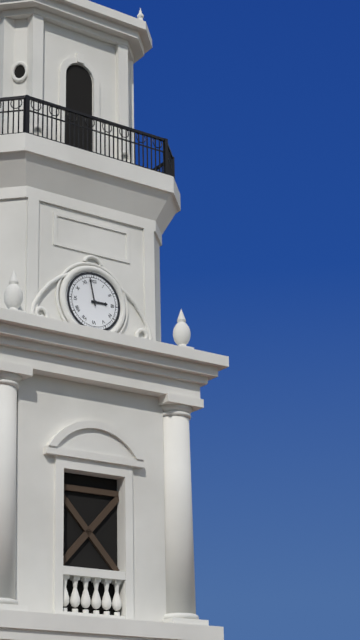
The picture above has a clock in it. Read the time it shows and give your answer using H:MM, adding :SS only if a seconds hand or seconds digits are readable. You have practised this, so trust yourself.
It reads 2:58
